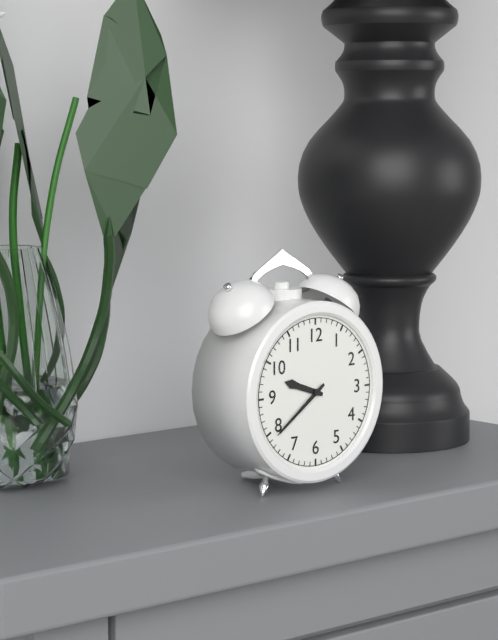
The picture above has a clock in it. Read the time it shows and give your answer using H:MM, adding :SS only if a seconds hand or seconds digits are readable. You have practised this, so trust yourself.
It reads 9:39
